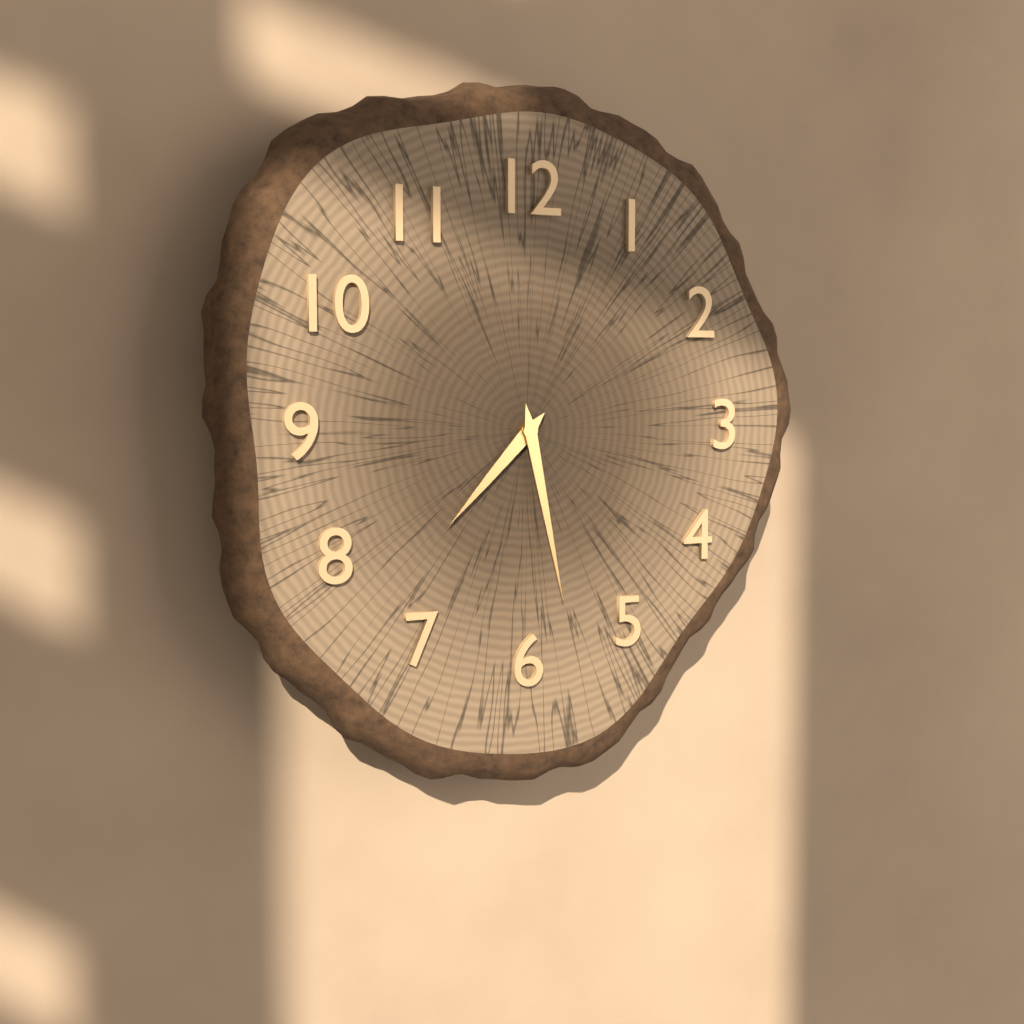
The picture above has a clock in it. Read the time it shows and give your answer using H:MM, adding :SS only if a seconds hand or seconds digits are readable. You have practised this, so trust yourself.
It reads 7:28
